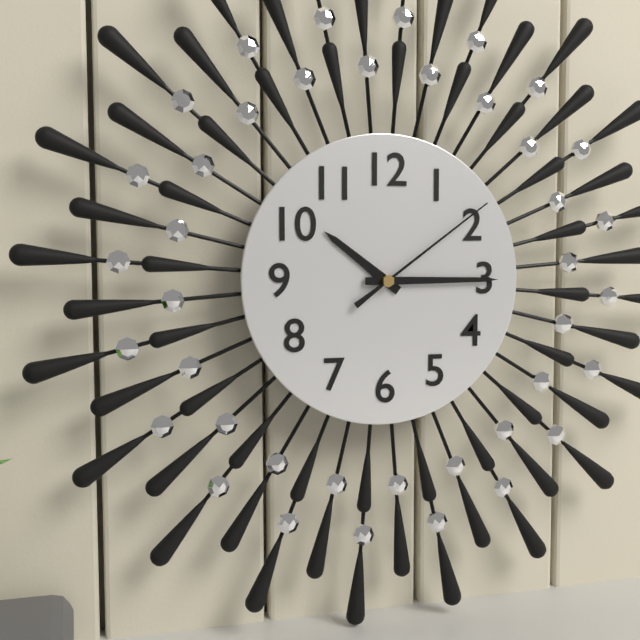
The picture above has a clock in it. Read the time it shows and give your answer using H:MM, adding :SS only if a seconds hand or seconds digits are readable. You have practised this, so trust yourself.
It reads 10:15:09
